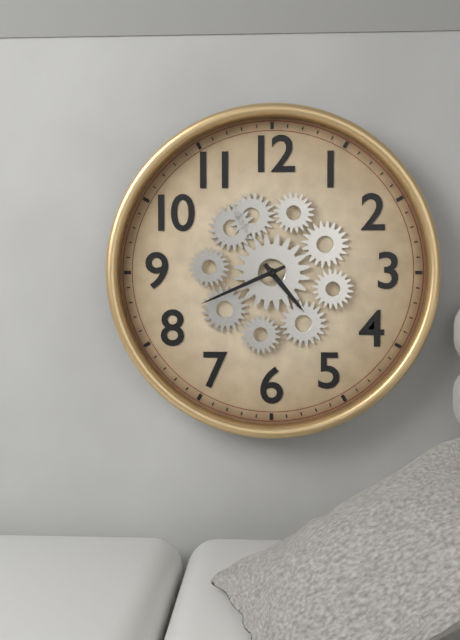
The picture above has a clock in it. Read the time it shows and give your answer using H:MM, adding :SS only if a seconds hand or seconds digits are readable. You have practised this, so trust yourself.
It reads 4:41
